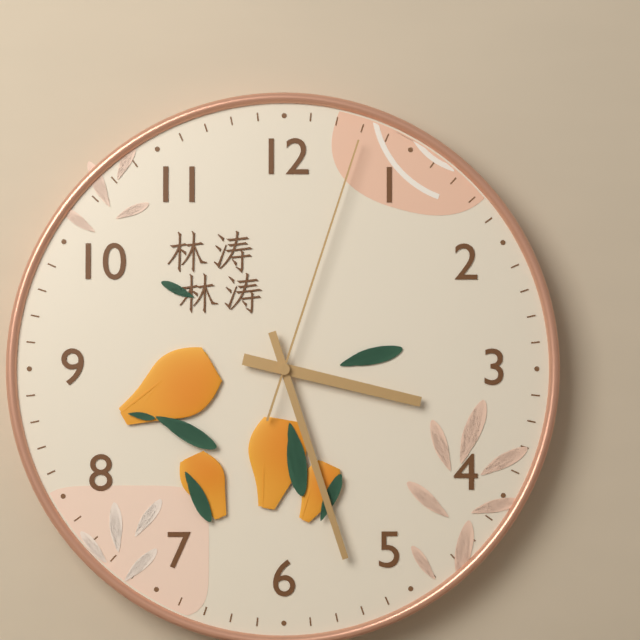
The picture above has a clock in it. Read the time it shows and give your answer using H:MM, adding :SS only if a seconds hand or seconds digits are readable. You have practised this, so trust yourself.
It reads 3:27:03
